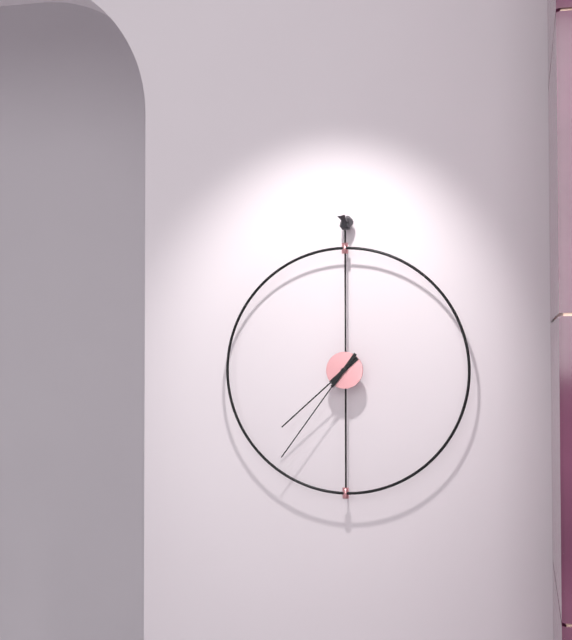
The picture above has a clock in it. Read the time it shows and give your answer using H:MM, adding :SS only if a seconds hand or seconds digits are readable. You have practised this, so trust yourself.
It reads 7:36
